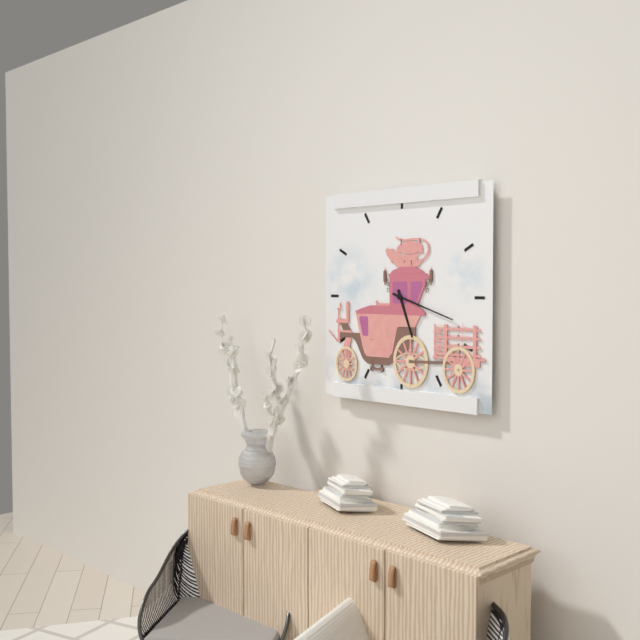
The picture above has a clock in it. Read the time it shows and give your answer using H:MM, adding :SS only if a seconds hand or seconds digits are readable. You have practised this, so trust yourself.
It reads 5:18
